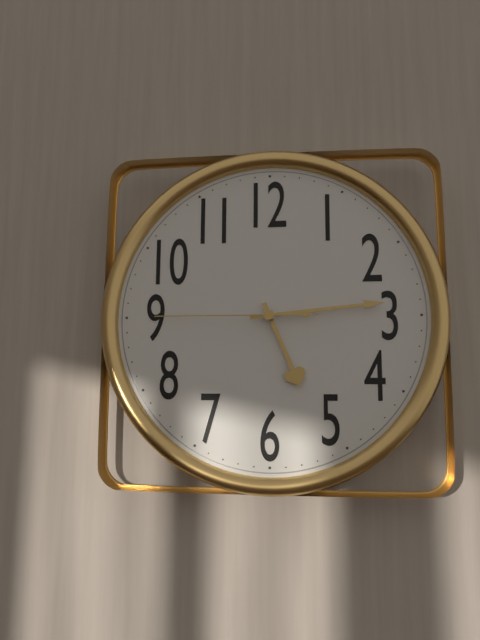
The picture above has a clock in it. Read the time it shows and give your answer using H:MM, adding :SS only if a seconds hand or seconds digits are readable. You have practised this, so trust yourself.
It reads 5:14:45
